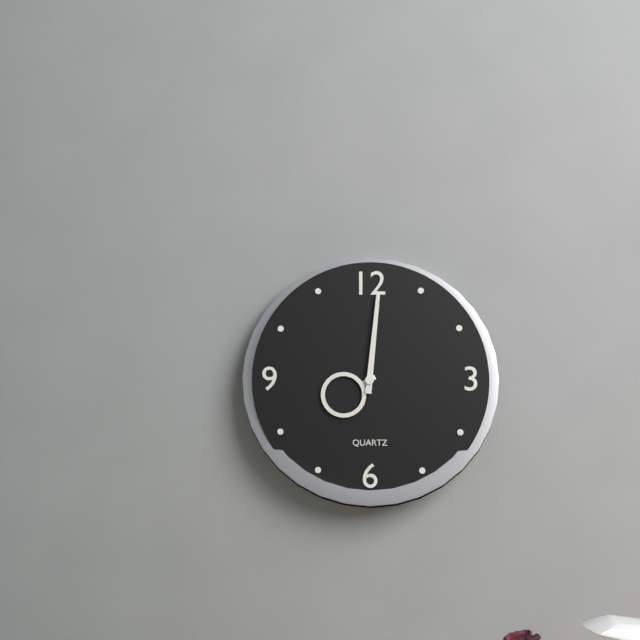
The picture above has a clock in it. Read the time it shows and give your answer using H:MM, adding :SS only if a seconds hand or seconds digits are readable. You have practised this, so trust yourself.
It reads 8:01
